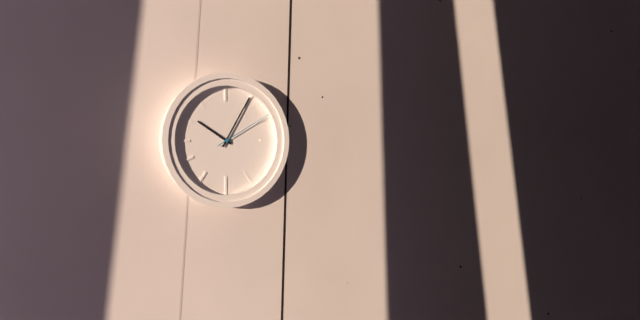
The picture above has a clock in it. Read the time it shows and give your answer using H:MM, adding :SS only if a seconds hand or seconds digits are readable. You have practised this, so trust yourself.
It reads 10:05:10
